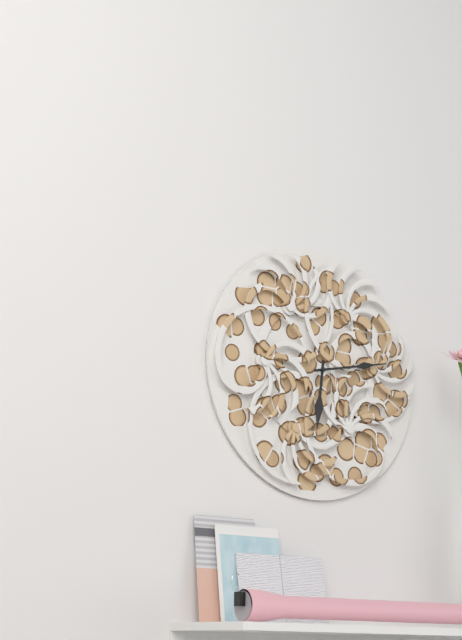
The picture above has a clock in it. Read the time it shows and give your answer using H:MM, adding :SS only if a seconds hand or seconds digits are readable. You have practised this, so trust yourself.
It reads 6:13
